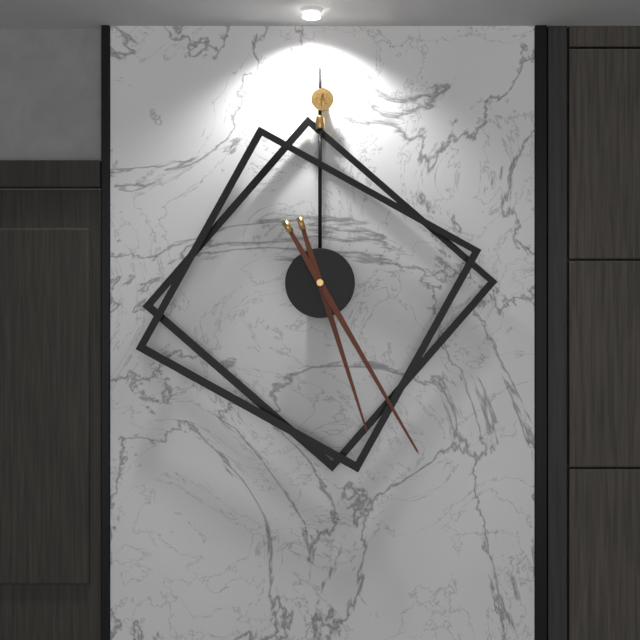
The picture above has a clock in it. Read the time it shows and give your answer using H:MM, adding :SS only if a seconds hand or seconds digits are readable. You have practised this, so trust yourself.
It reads 5:25
